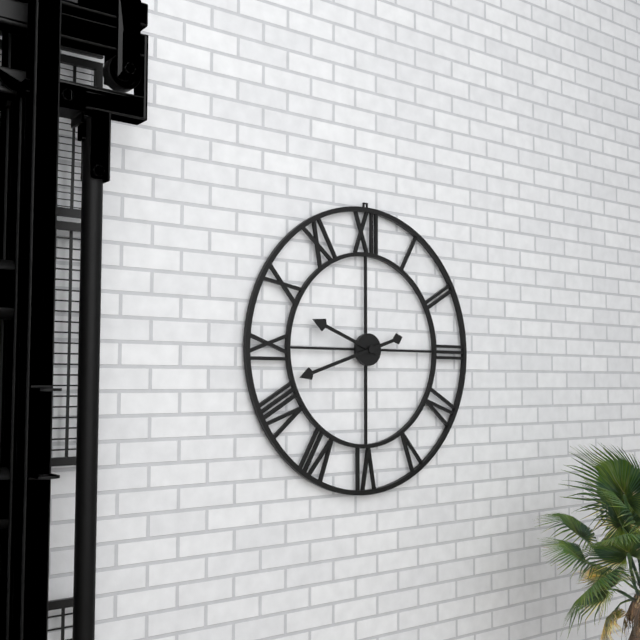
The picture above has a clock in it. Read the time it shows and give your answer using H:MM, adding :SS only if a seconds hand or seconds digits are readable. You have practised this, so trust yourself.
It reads 9:42
